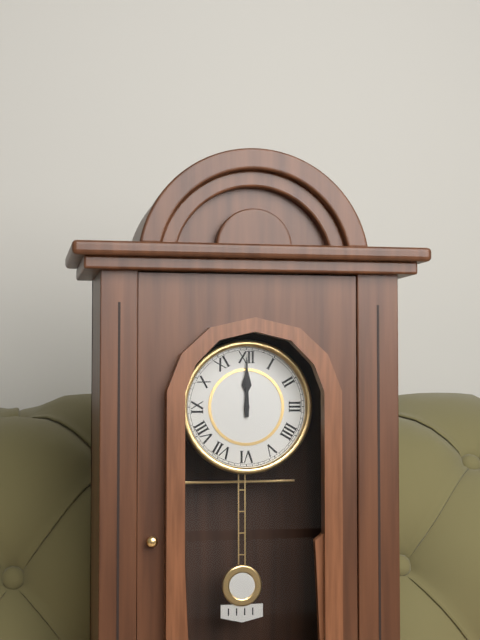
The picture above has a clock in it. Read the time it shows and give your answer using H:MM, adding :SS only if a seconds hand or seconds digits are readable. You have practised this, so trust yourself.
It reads 12:00
